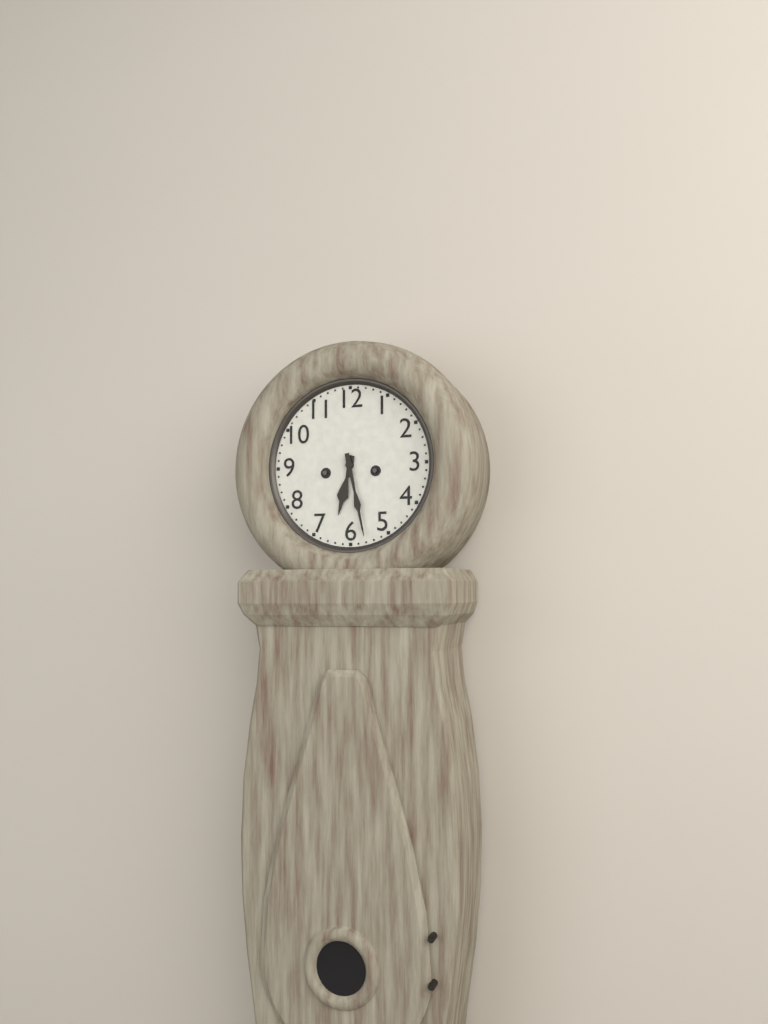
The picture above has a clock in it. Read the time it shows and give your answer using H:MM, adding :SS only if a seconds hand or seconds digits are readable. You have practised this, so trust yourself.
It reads 6:28
